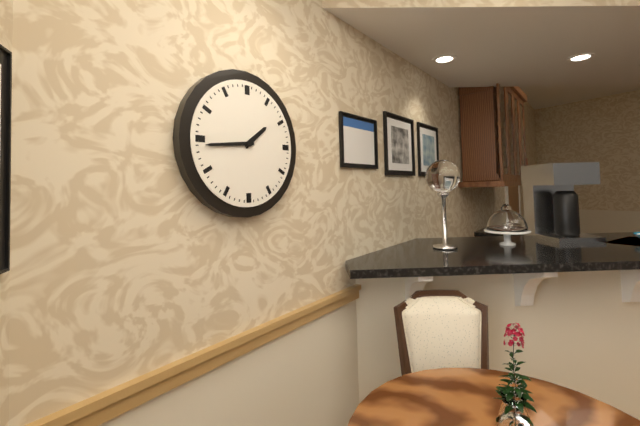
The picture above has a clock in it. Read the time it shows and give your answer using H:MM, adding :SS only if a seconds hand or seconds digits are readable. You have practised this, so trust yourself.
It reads 1:44
